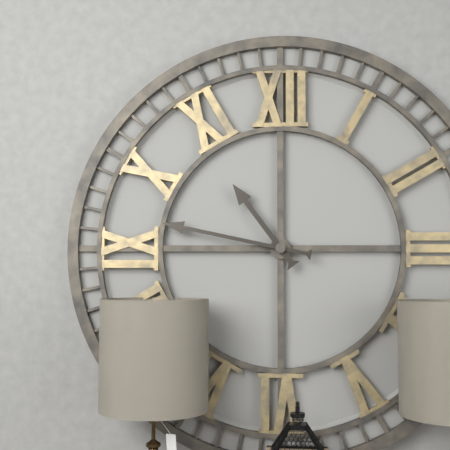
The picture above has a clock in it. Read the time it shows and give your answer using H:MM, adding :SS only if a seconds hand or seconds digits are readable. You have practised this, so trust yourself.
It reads 10:47
